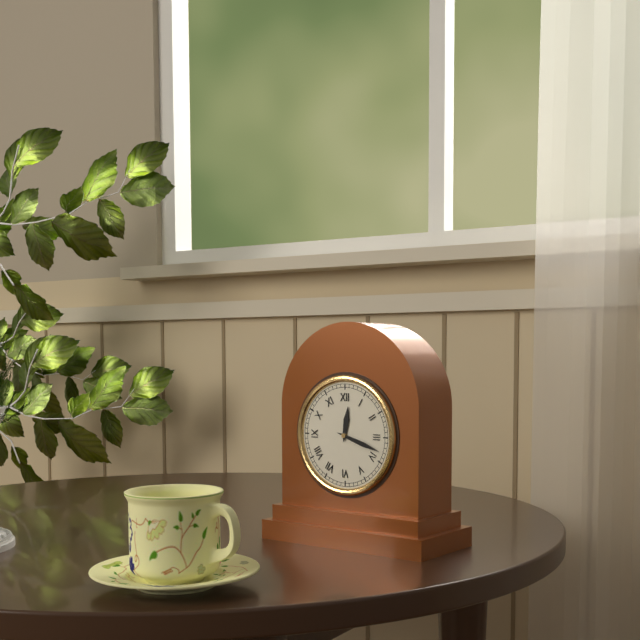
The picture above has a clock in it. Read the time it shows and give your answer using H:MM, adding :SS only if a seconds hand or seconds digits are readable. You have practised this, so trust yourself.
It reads 12:18
